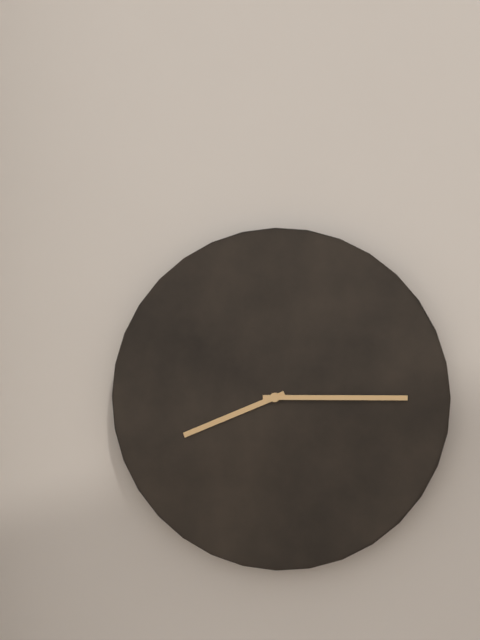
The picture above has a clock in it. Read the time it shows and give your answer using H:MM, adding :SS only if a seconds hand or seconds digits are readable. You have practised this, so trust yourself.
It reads 8:15
